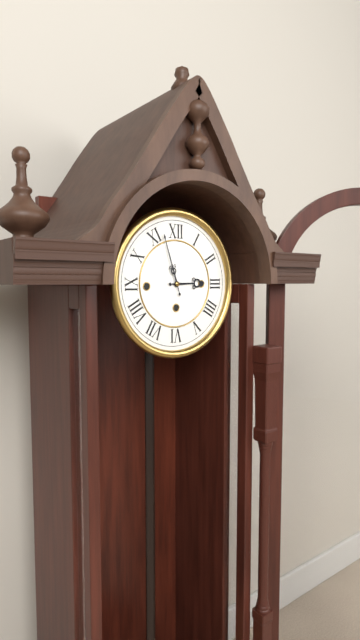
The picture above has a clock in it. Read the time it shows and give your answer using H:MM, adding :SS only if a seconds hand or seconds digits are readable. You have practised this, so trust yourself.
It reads 2:57
